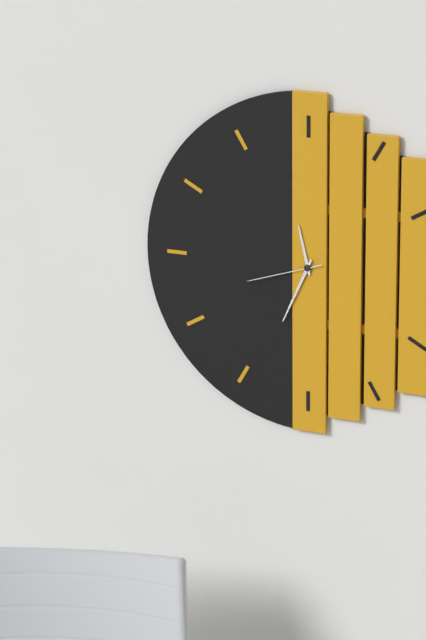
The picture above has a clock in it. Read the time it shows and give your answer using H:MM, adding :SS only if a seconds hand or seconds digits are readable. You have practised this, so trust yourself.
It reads 11:34:42
